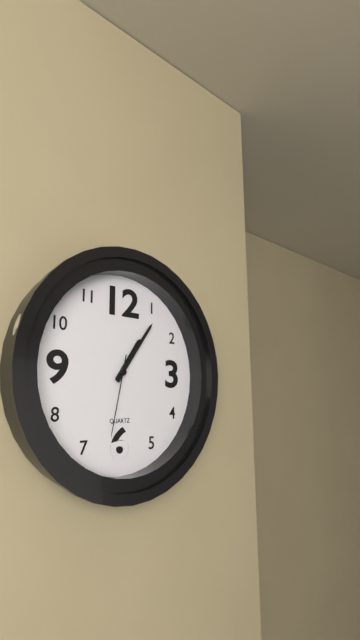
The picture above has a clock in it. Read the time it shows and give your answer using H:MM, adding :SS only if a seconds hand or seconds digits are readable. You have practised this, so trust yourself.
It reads 1:06:32
